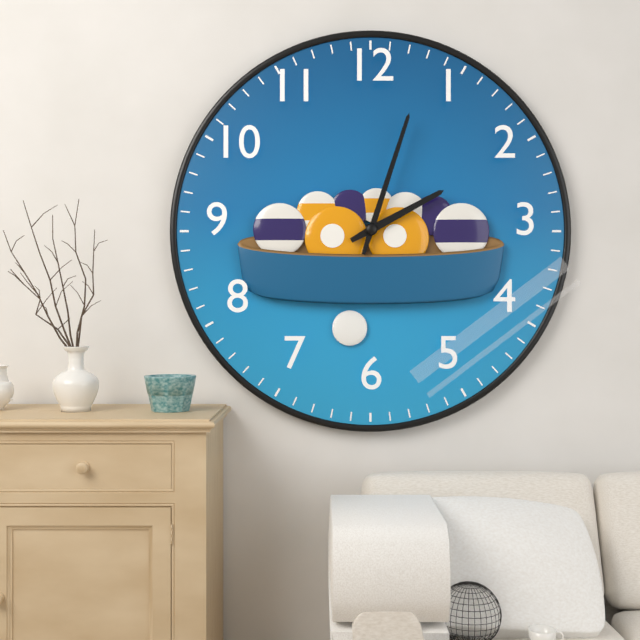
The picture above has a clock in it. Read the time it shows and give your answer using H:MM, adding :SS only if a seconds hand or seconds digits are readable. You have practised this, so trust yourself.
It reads 2:03
